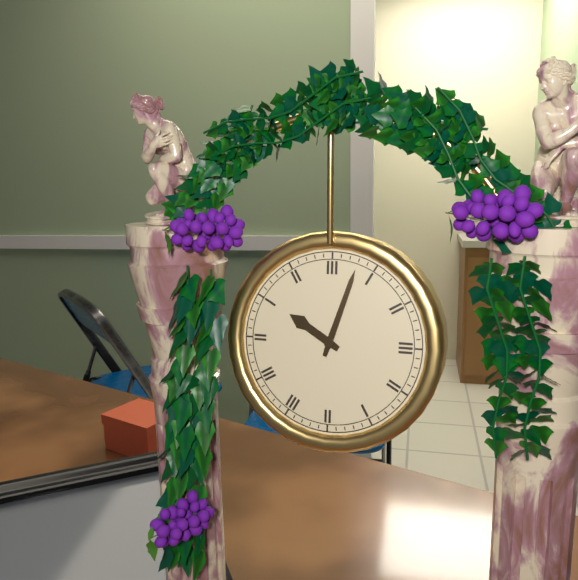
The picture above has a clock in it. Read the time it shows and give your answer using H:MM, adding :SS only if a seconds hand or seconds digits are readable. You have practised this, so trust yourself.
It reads 10:03
